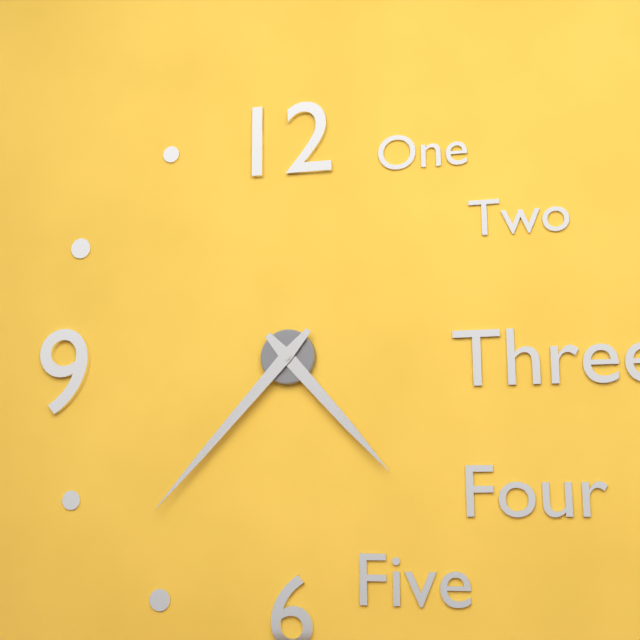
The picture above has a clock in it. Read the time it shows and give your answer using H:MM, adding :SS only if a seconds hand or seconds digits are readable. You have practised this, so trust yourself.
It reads 4:37
